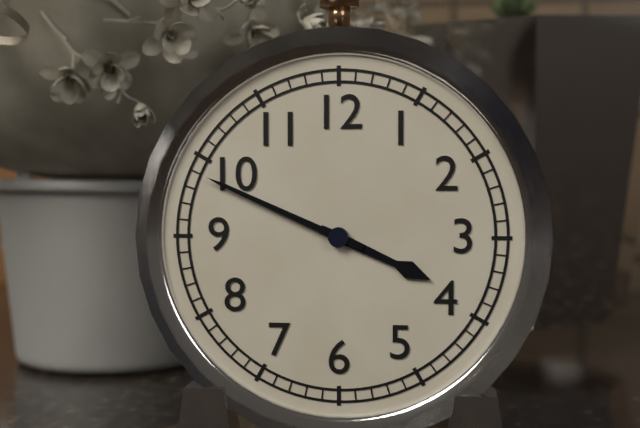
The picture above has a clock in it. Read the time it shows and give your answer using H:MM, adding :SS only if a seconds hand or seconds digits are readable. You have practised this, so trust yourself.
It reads 3:49
